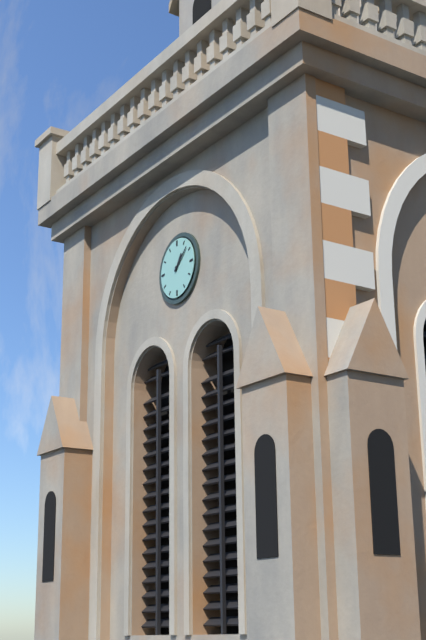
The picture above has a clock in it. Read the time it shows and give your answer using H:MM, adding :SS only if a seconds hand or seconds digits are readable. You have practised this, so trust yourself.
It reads 1:08
